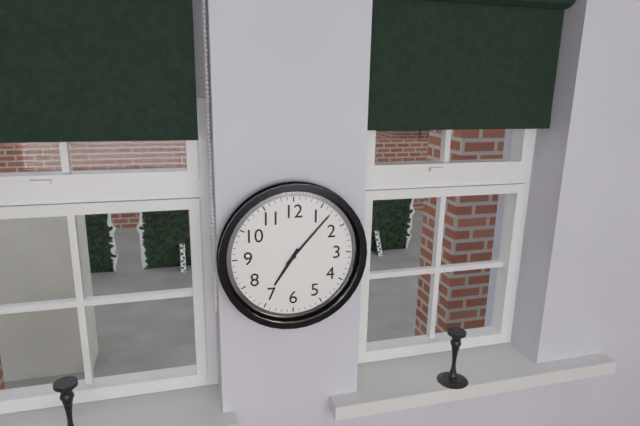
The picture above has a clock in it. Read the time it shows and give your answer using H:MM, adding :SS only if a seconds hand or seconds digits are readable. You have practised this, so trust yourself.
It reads 7:07
